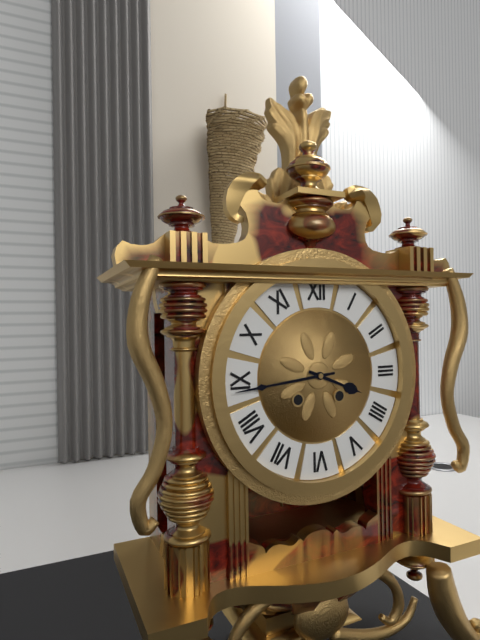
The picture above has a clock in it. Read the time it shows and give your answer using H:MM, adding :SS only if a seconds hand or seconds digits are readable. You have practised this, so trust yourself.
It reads 3:44
